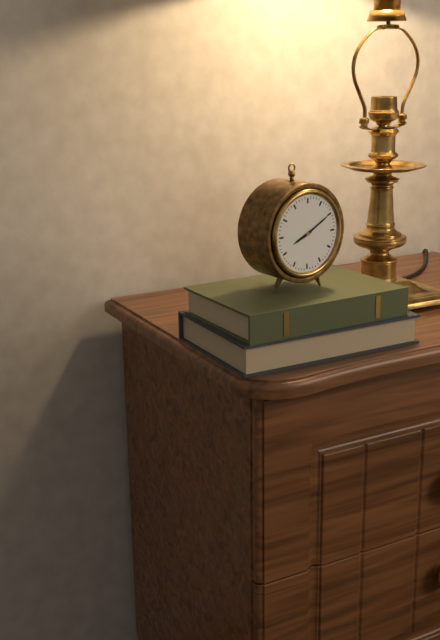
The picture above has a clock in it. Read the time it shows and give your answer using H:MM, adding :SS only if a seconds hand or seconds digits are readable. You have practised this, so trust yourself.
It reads 8:10
